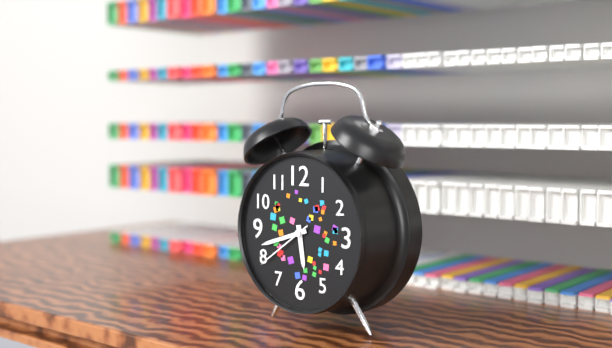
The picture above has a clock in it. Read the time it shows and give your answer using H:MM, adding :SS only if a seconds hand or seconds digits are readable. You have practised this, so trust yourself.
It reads 5:42:39
